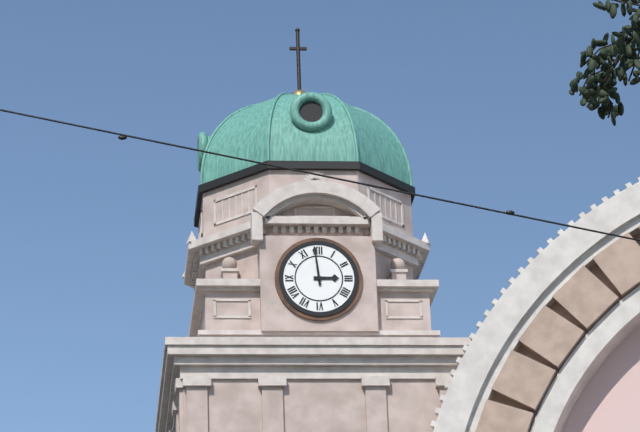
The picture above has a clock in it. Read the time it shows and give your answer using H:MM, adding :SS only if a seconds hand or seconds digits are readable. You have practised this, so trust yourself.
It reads 2:59
